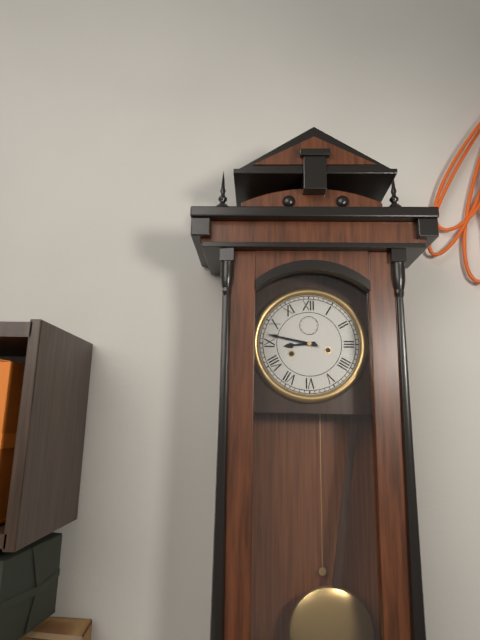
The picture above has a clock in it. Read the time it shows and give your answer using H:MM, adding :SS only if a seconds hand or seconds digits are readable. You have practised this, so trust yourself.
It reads 8:47
